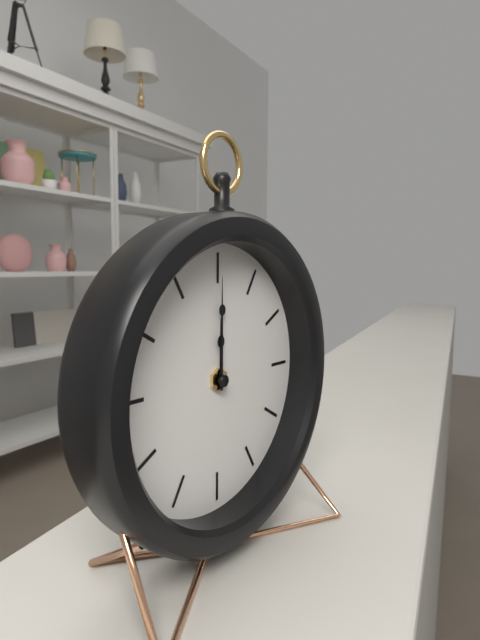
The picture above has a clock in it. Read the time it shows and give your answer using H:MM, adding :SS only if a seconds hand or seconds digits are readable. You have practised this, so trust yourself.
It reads 12:00
